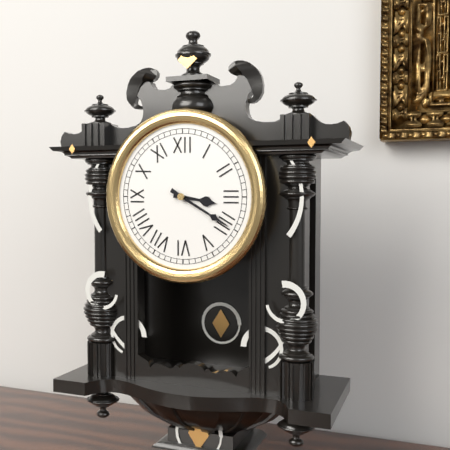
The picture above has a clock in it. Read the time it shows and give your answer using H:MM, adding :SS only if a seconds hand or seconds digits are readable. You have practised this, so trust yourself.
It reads 3:20
